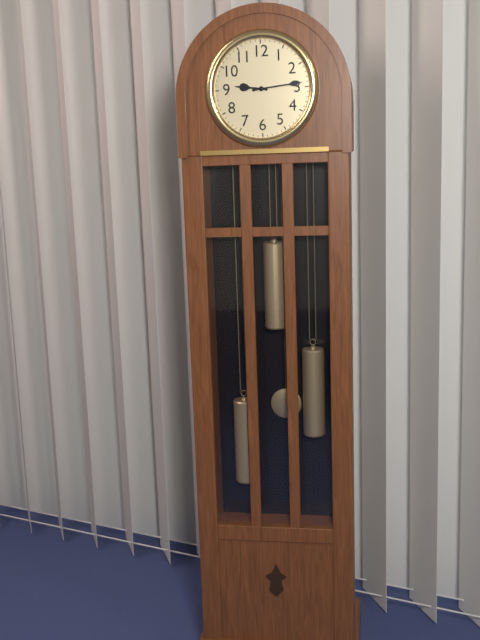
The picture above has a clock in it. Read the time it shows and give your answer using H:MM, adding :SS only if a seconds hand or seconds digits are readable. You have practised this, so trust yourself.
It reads 9:14
